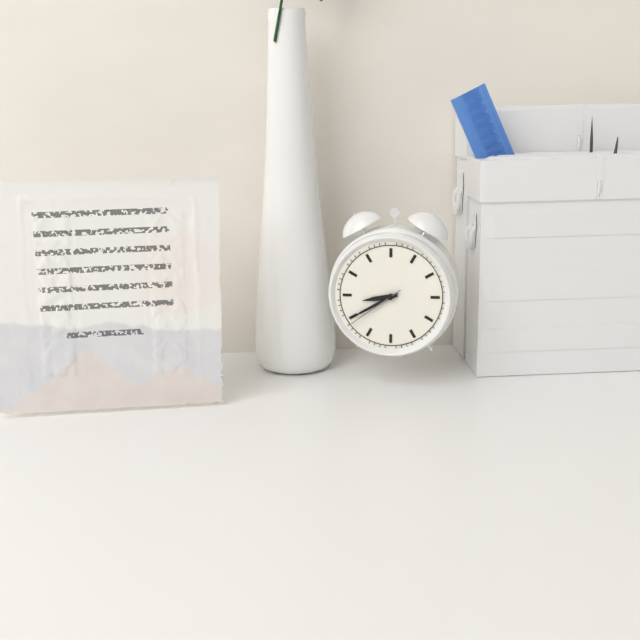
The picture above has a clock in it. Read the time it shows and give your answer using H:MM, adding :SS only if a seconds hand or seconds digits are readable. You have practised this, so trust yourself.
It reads 8:40:39
